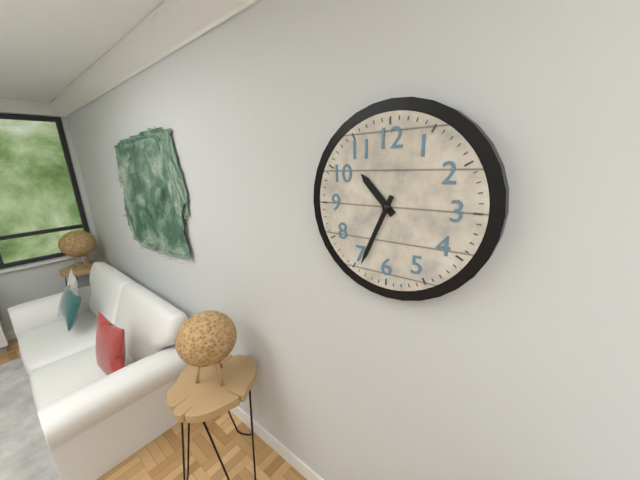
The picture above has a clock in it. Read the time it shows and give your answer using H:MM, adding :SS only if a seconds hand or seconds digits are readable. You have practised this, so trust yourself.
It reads 10:34
